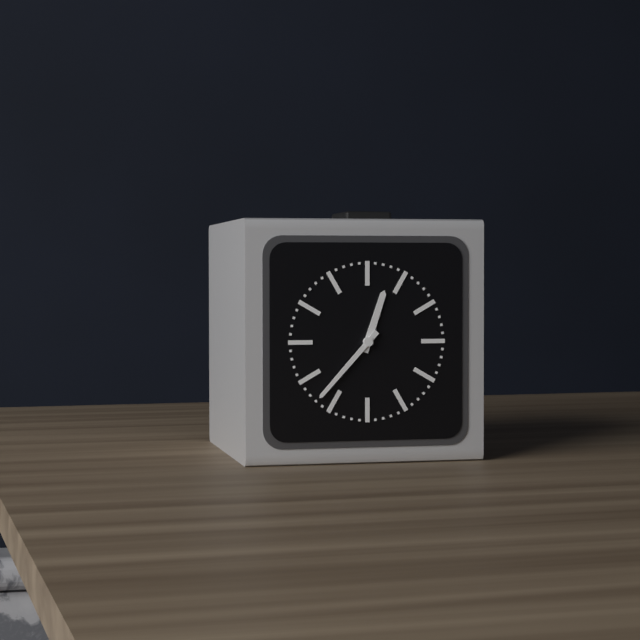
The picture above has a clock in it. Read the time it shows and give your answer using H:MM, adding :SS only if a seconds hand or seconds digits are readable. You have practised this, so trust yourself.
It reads 12:37
